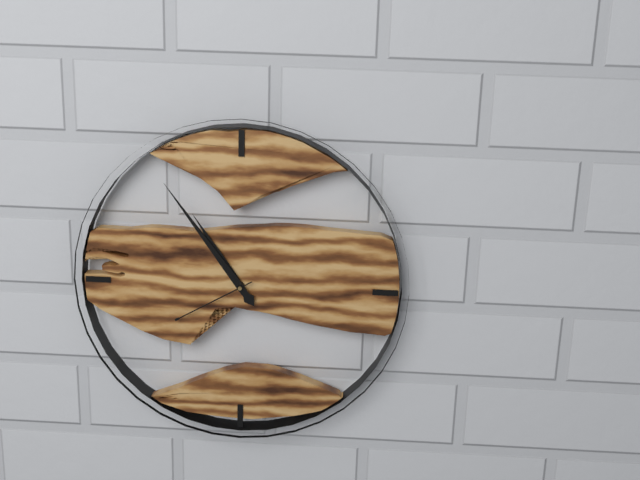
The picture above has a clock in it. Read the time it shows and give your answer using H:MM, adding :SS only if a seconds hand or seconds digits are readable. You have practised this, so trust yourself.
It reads 10:54:40
